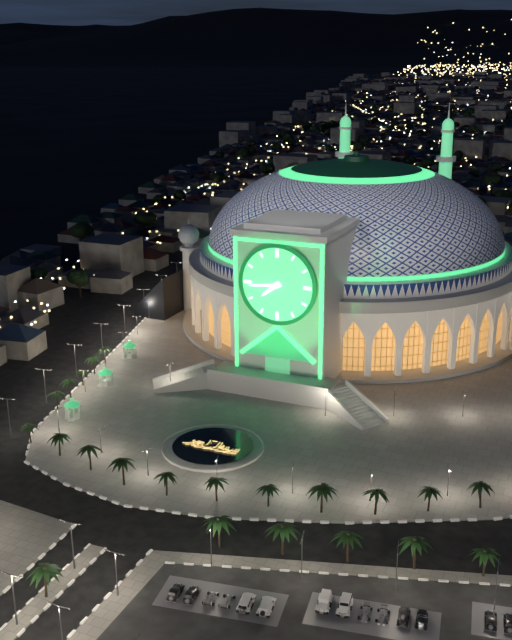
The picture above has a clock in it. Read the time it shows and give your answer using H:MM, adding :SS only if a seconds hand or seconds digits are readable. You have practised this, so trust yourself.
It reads 7:44
